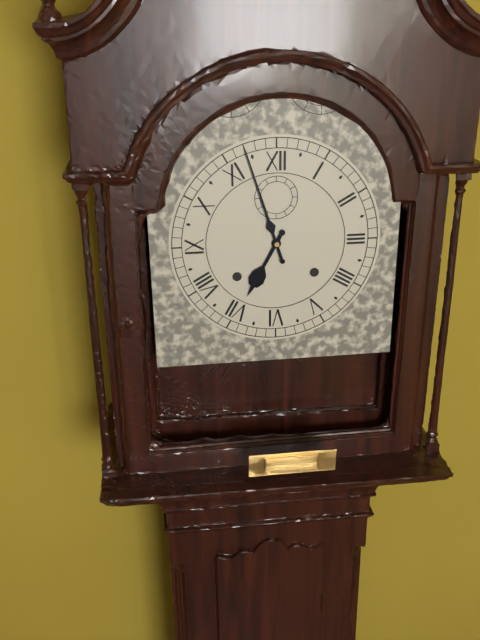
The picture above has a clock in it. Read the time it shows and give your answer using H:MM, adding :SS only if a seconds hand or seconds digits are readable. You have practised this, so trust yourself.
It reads 6:57
